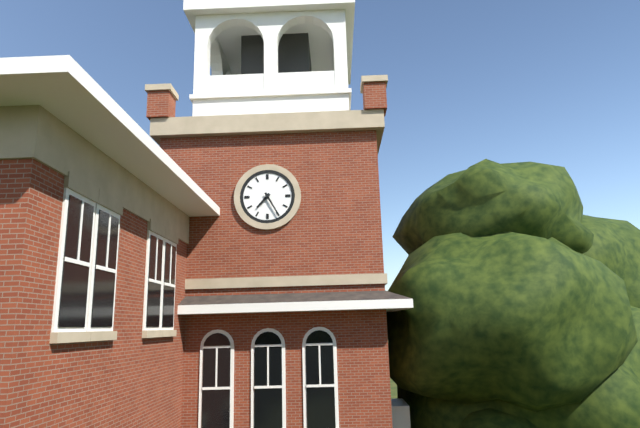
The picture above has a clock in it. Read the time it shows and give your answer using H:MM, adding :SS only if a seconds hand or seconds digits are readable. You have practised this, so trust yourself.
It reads 7:25
